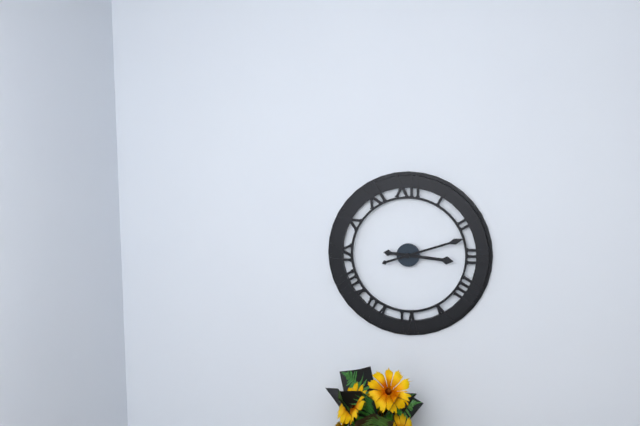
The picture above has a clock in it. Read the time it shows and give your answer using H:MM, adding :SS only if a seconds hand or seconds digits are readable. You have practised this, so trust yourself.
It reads 3:12
